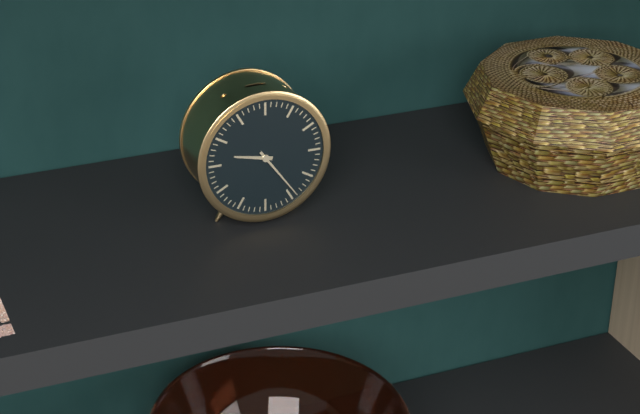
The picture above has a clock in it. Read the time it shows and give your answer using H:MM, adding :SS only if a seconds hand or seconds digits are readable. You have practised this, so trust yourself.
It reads 9:24
